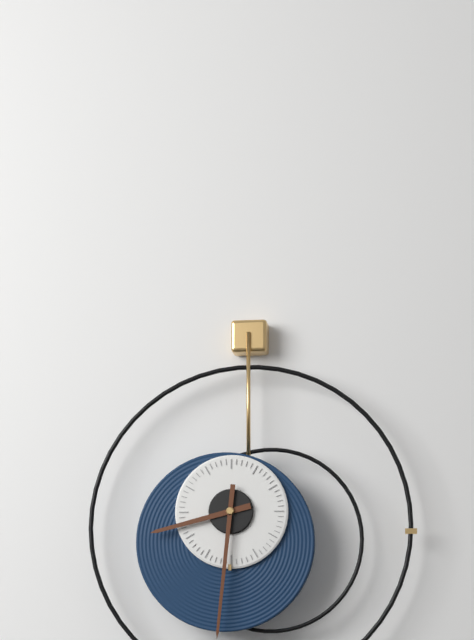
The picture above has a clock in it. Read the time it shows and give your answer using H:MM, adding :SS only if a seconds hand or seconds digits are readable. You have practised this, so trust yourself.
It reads 8:31
